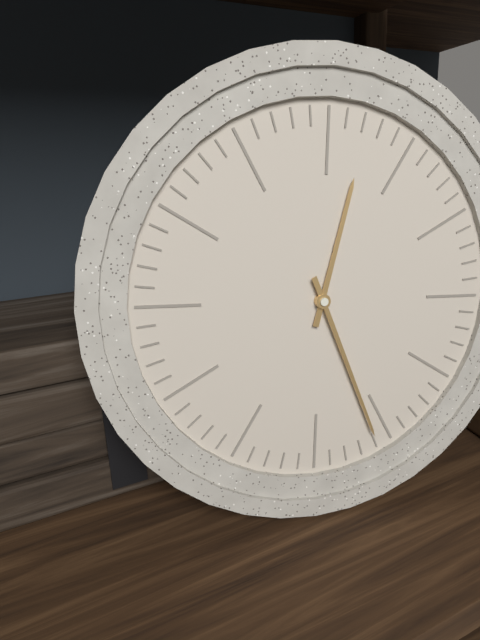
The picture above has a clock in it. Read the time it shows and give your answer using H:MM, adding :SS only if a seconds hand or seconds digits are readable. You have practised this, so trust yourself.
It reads 12:26
